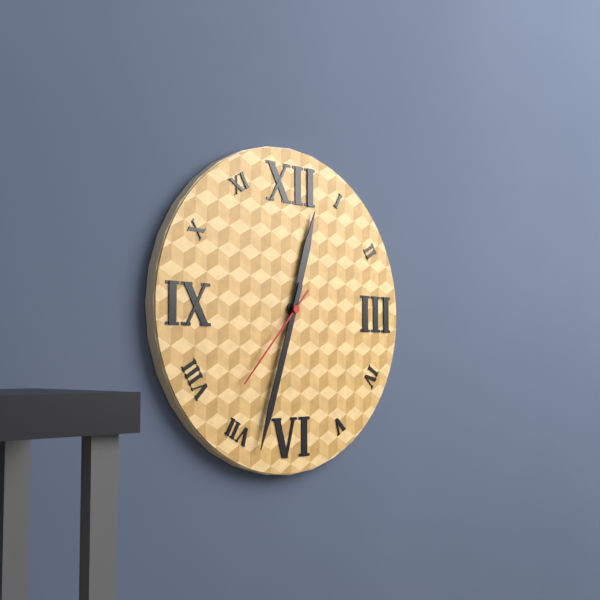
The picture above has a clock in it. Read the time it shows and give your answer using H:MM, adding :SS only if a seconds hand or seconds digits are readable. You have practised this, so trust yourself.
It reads 12:33:37
